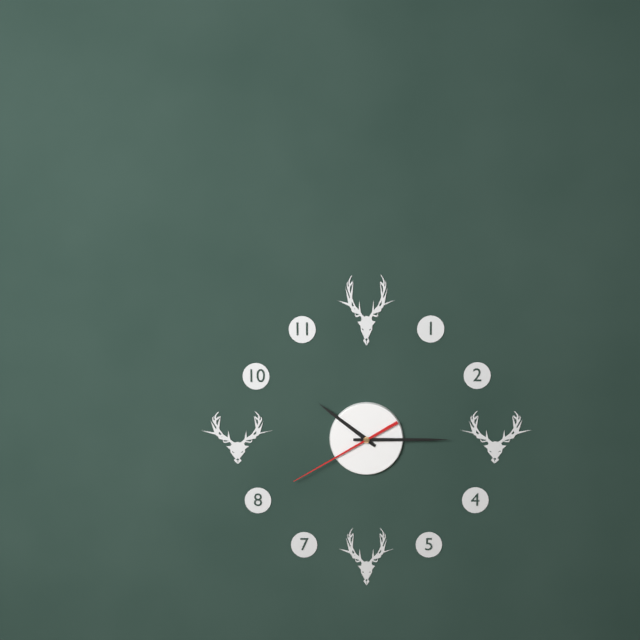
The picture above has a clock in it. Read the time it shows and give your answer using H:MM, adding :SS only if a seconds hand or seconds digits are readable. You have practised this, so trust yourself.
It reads 10:15:40
